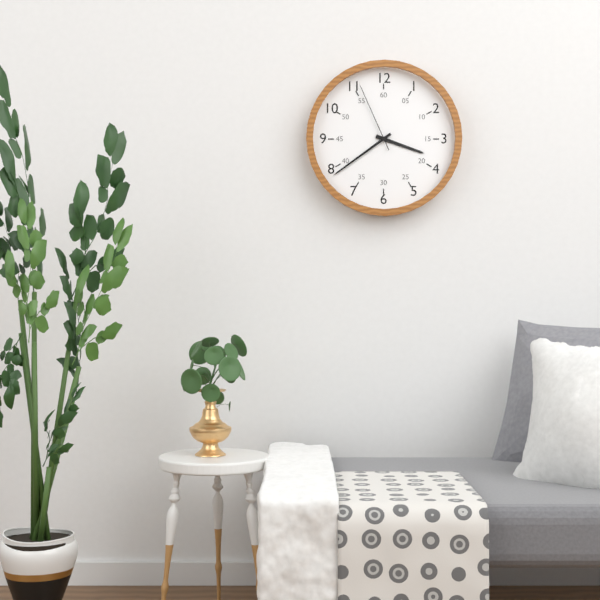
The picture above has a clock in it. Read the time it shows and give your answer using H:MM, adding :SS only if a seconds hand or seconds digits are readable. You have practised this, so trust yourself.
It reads 3:39:56
